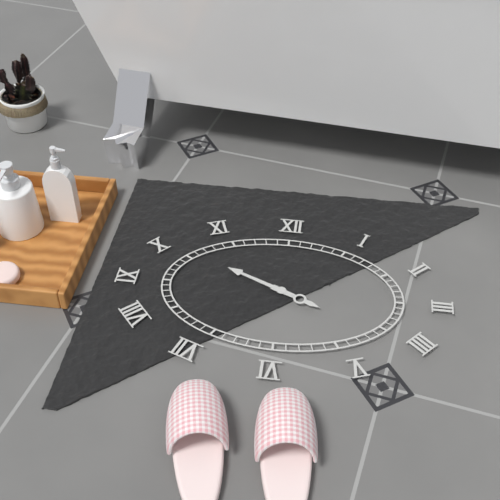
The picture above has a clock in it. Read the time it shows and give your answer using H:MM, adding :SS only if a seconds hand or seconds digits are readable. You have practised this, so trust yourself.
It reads 3:49
